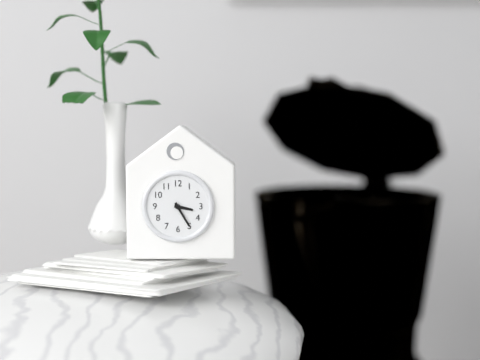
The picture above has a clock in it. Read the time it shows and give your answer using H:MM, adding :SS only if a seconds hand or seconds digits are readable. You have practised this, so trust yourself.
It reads 3:25
